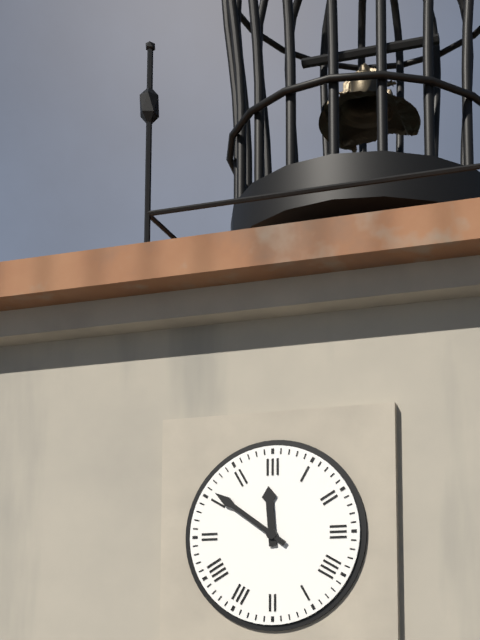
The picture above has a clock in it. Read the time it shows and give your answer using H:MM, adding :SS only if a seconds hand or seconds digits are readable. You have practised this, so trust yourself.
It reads 11:51
